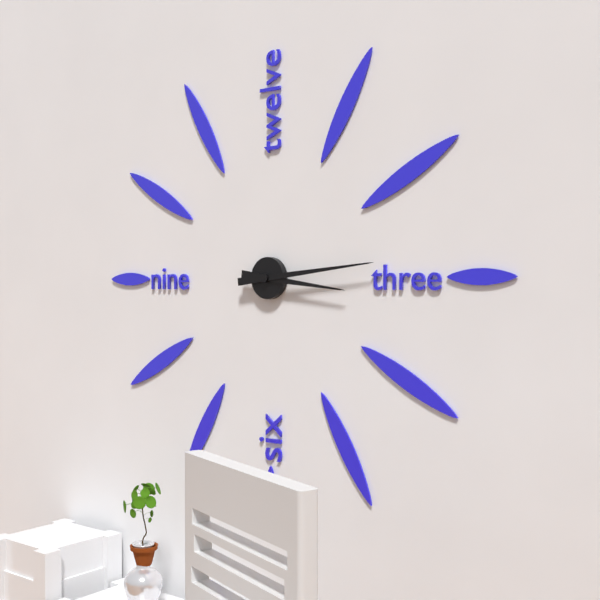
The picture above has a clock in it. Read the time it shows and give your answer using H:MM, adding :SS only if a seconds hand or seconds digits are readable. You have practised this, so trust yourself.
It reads 3:14
